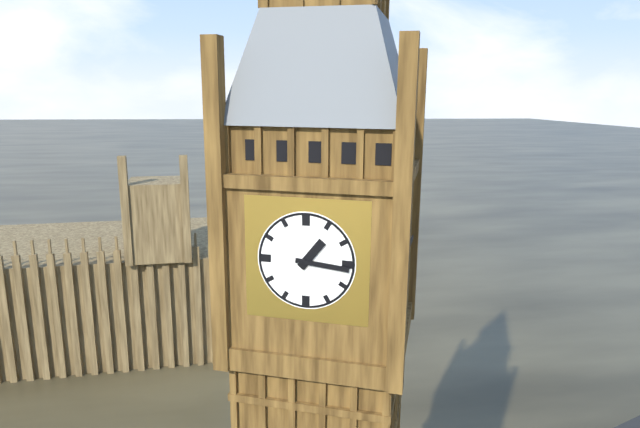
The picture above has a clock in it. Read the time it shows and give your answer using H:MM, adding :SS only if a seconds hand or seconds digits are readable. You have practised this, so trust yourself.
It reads 1:16
